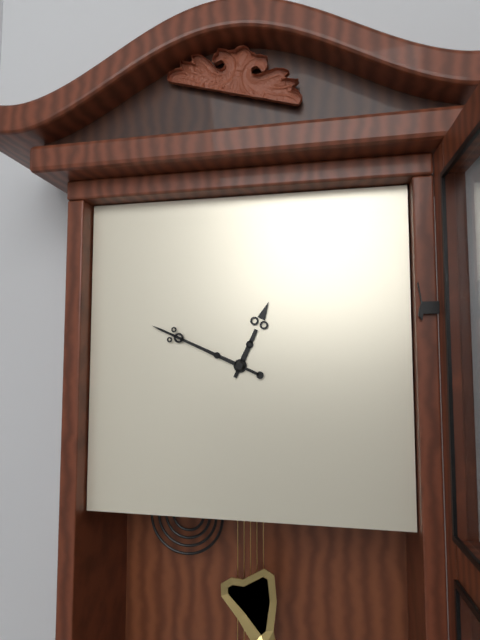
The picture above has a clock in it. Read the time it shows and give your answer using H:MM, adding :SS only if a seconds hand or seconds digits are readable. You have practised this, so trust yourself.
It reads 12:49
